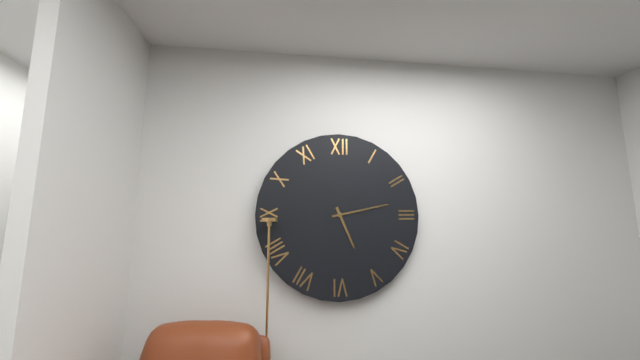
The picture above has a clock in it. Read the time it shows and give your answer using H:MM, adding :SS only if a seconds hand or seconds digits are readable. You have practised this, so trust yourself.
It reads 5:13
